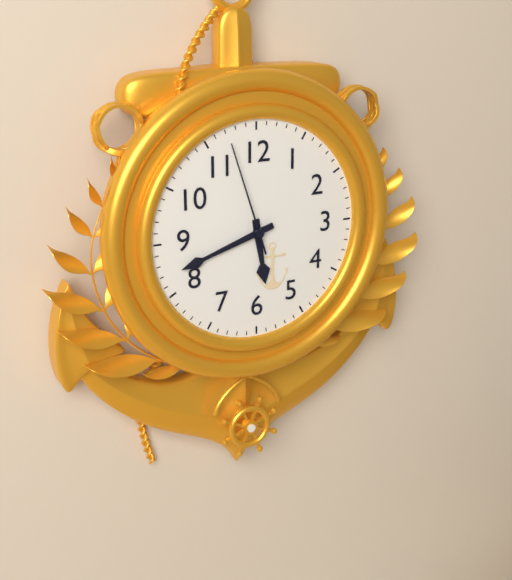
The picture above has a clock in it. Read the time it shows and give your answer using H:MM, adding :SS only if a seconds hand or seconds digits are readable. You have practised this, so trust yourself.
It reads 5:42:57
